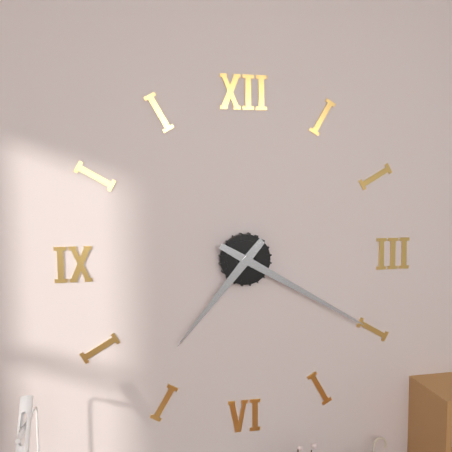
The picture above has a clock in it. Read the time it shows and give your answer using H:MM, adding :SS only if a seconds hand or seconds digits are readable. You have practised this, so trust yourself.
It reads 7:20
